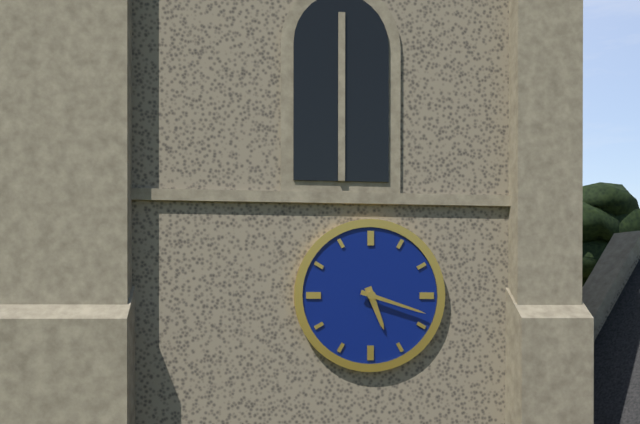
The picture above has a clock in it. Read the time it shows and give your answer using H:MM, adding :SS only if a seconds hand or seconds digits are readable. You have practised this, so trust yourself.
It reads 5:18
